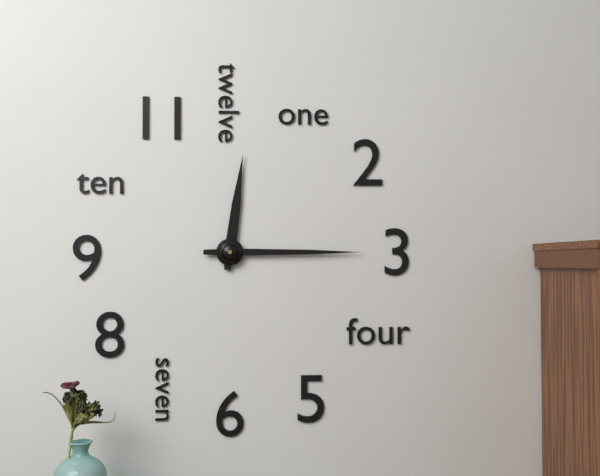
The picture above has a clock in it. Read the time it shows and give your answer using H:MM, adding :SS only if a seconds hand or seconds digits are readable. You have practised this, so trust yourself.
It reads 12:15
